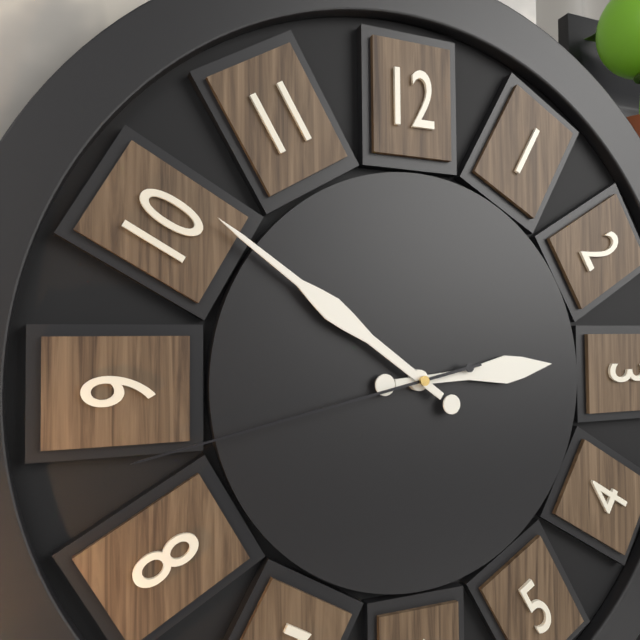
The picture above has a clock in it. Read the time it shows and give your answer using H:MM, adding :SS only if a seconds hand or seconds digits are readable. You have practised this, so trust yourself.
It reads 2:51:43
